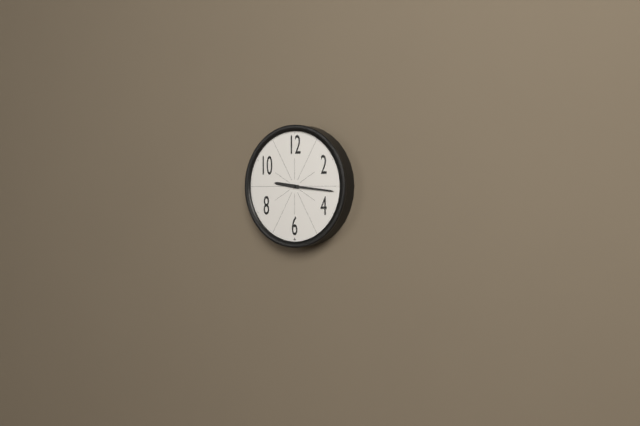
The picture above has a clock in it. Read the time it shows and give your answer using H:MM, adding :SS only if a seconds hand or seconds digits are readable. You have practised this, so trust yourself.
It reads 9:16
